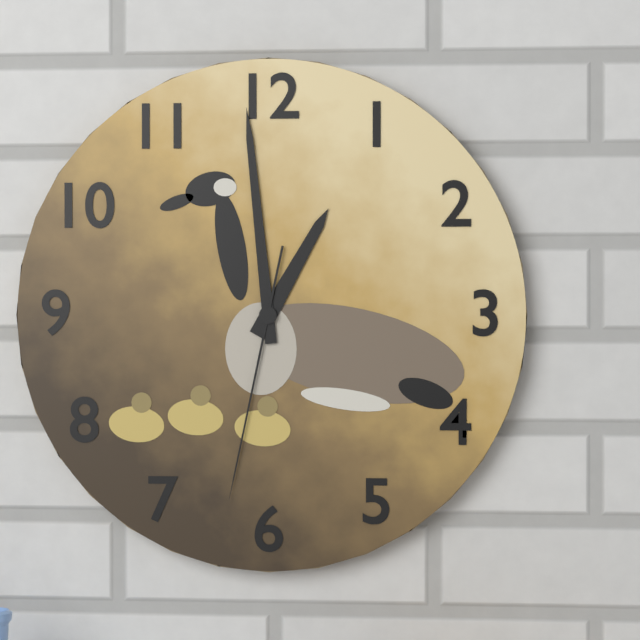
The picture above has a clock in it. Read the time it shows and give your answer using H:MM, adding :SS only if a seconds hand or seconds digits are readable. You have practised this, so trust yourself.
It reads 12:59:32
